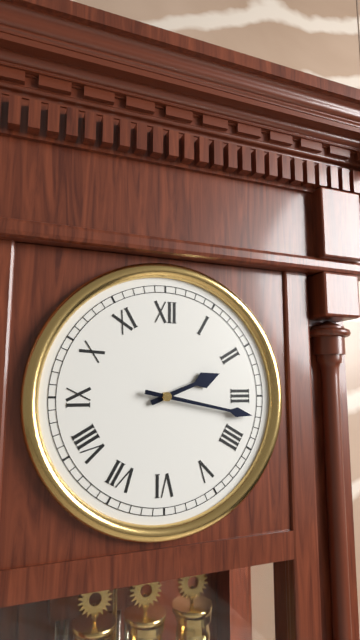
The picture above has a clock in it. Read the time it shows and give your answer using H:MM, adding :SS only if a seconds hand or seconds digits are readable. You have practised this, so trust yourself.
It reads 2:17
